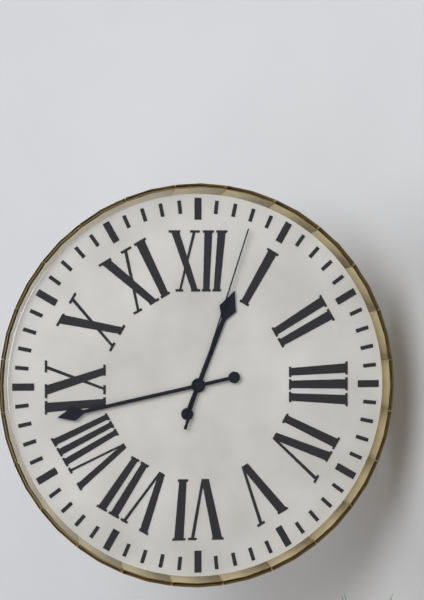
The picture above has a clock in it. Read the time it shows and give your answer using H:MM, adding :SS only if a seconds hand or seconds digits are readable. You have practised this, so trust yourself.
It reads 12:43:03
